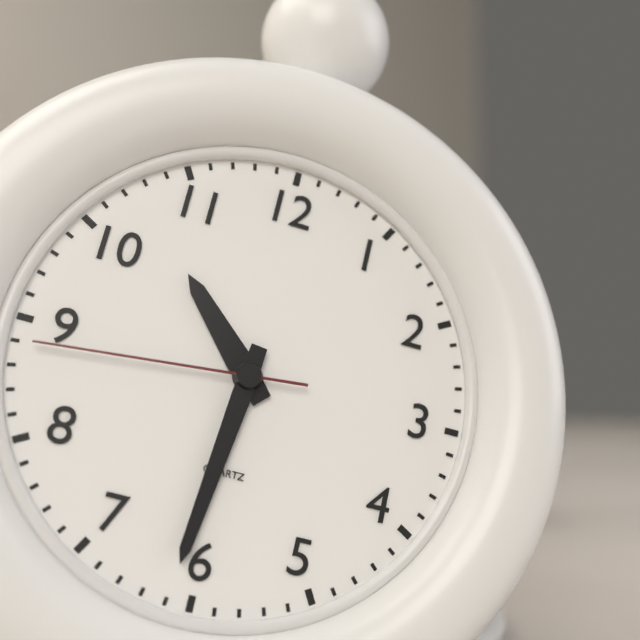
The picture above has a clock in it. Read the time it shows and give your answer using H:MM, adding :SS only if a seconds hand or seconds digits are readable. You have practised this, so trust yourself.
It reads 10:31:44
